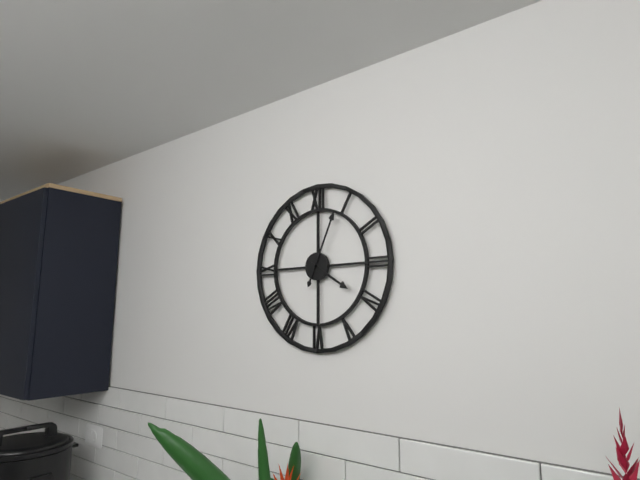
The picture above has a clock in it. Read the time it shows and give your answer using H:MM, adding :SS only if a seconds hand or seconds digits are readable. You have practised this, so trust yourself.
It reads 4:04
